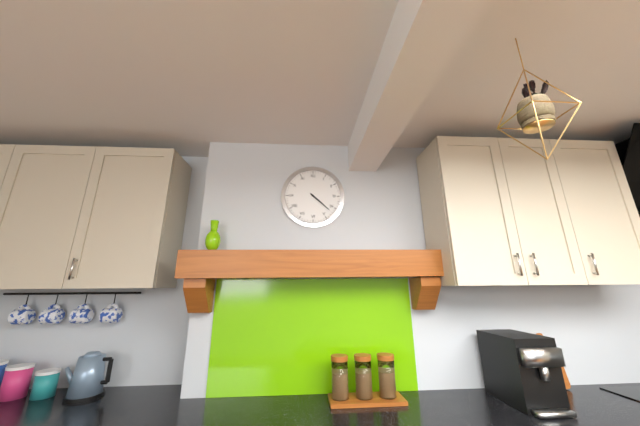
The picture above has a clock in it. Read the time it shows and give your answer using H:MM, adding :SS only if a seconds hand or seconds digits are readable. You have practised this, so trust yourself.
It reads 4:22
